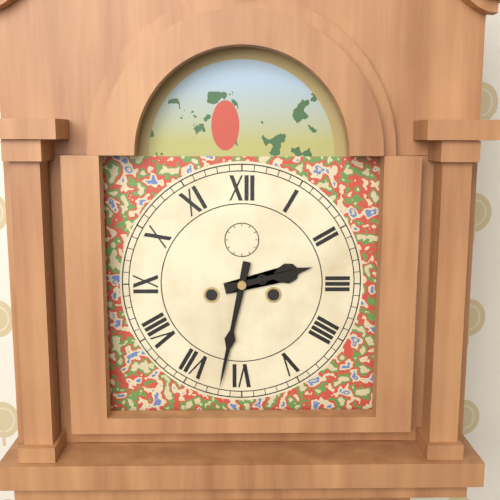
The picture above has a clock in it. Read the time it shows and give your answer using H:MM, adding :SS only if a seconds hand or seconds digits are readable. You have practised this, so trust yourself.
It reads 2:32
